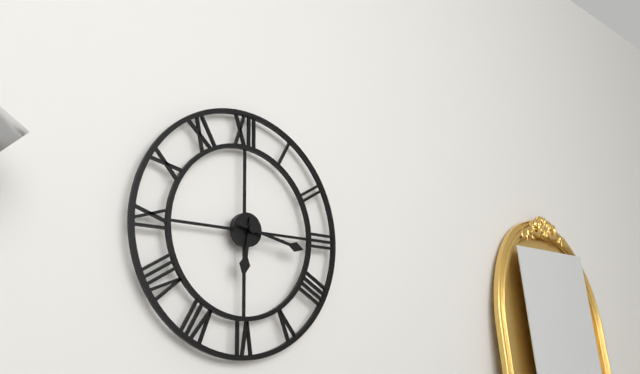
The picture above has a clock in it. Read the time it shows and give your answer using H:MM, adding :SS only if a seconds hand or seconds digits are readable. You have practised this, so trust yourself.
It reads 6:17
